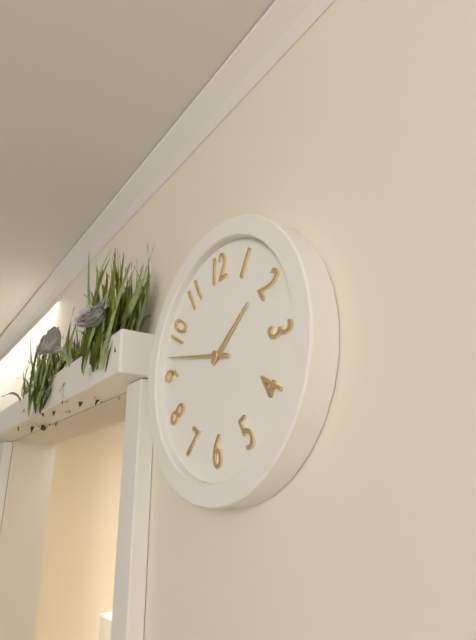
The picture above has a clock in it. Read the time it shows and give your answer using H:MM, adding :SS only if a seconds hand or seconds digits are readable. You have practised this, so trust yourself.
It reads 1:47
